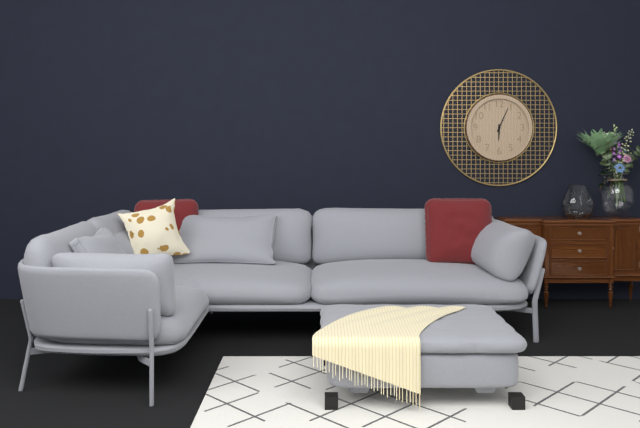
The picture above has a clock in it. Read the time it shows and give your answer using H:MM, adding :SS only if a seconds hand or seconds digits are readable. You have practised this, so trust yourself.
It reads 6:04
